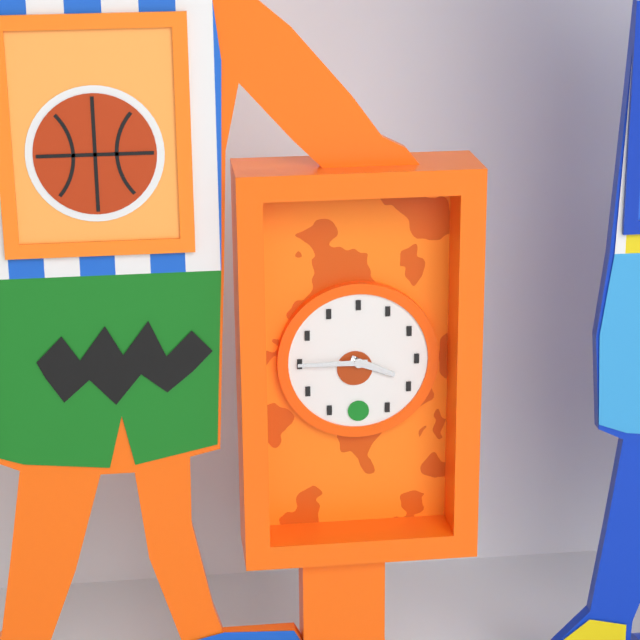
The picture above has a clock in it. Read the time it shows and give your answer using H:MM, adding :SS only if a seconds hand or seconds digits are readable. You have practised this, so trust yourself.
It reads 3:45
